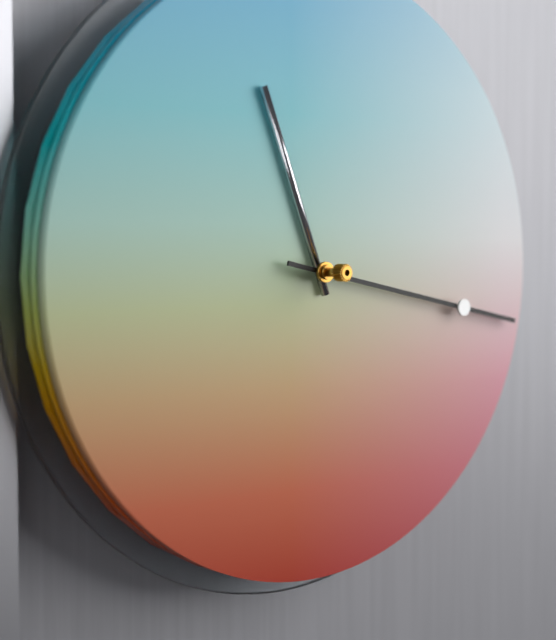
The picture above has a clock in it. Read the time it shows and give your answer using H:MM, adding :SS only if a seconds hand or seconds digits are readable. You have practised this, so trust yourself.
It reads 11:17
